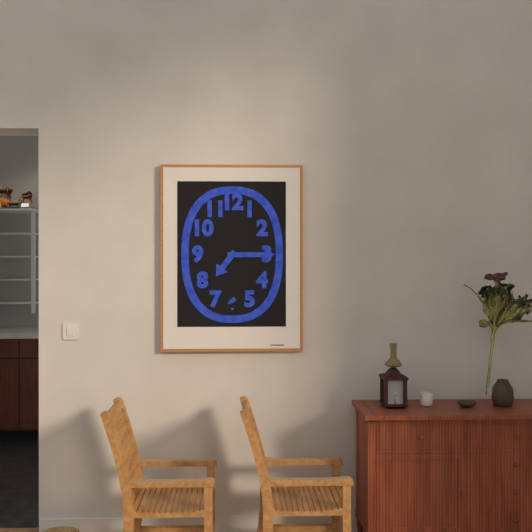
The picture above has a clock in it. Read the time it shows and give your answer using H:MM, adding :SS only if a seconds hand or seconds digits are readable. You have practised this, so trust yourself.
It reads 7:15
